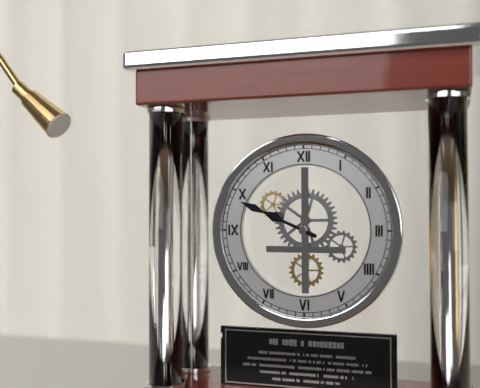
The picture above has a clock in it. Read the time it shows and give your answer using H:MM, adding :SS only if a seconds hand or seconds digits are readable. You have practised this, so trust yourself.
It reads 9:49
